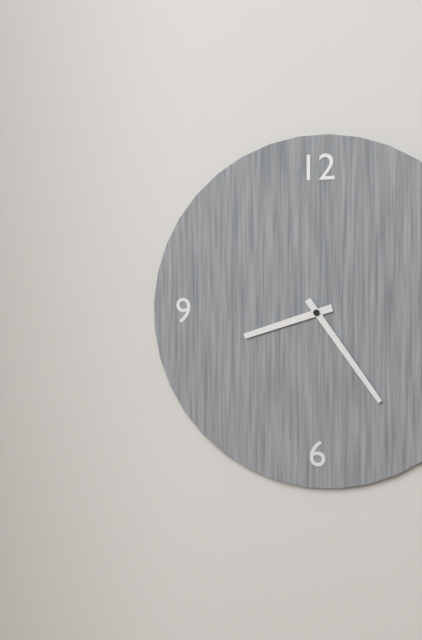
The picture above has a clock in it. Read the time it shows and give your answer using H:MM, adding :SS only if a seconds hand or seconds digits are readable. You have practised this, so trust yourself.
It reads 8:24
